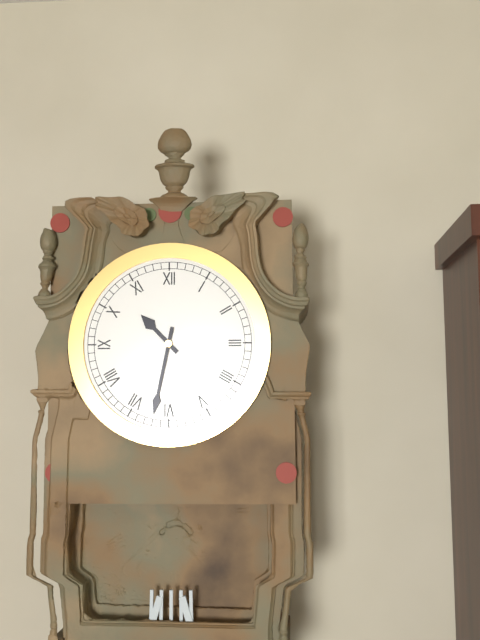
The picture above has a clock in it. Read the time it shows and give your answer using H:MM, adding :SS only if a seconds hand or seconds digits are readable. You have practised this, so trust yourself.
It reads 10:32
